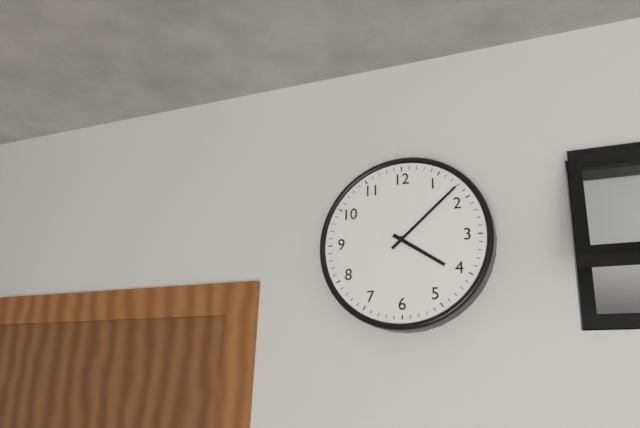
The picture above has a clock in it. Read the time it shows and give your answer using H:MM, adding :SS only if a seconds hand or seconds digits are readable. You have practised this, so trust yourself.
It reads 4:08
